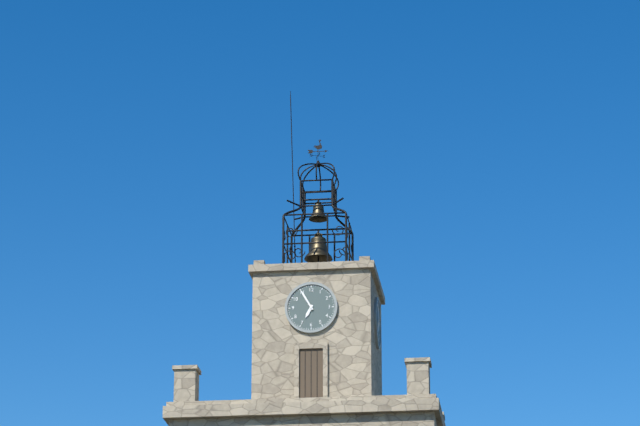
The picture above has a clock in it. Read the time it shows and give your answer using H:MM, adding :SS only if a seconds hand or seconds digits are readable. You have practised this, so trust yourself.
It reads 6:55
